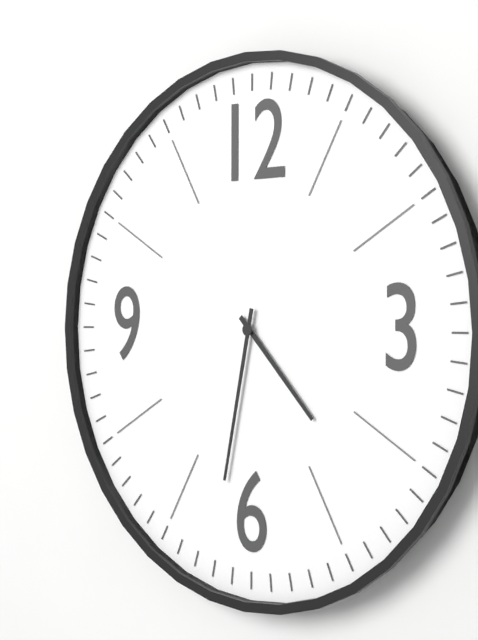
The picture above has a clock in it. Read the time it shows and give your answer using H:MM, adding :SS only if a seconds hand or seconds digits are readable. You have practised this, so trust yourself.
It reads 4:32
